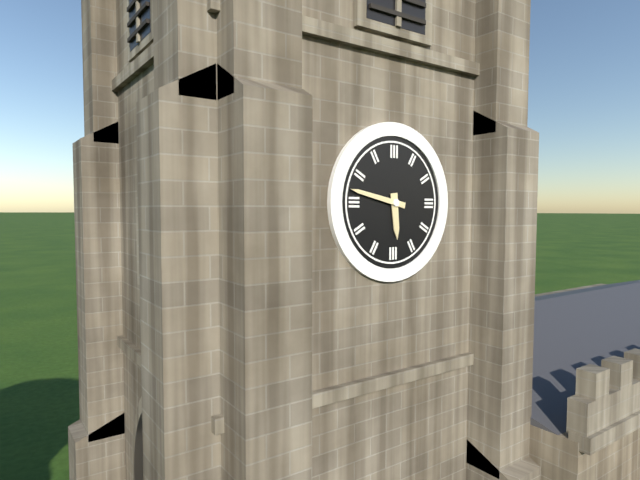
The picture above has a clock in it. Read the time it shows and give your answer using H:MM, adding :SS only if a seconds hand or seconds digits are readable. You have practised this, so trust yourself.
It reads 5:47
